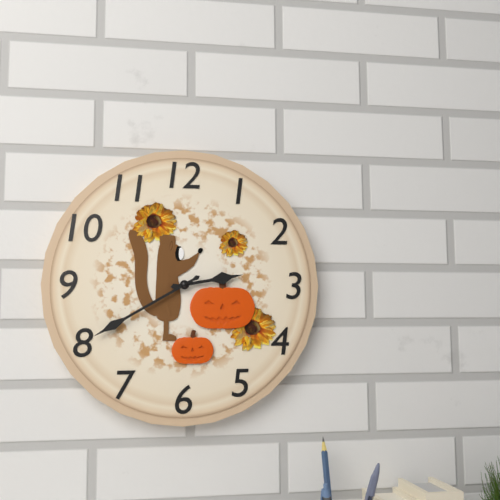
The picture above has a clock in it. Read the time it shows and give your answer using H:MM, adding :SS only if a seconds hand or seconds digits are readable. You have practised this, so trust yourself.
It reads 2:40
